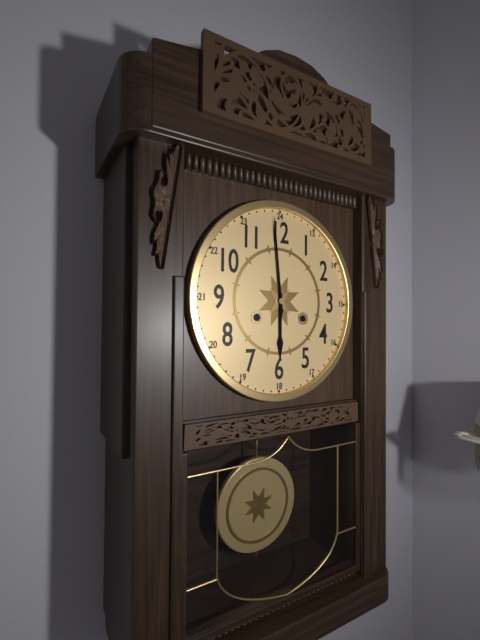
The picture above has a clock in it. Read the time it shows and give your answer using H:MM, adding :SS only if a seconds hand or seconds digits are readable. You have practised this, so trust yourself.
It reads 5:59
